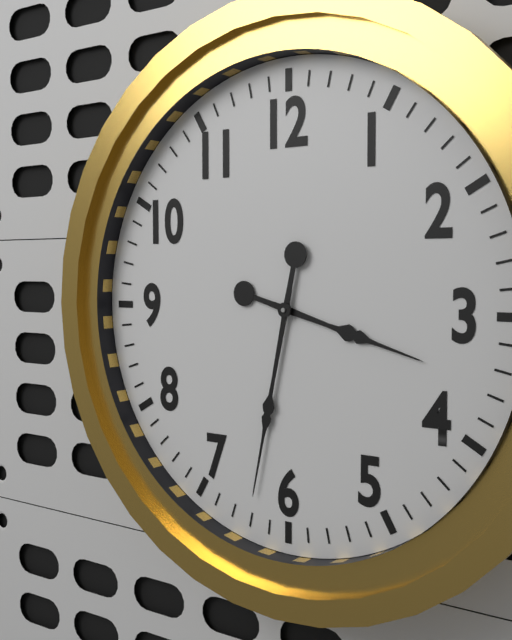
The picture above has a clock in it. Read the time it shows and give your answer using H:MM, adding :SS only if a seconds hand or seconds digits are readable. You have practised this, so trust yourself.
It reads 3:32
